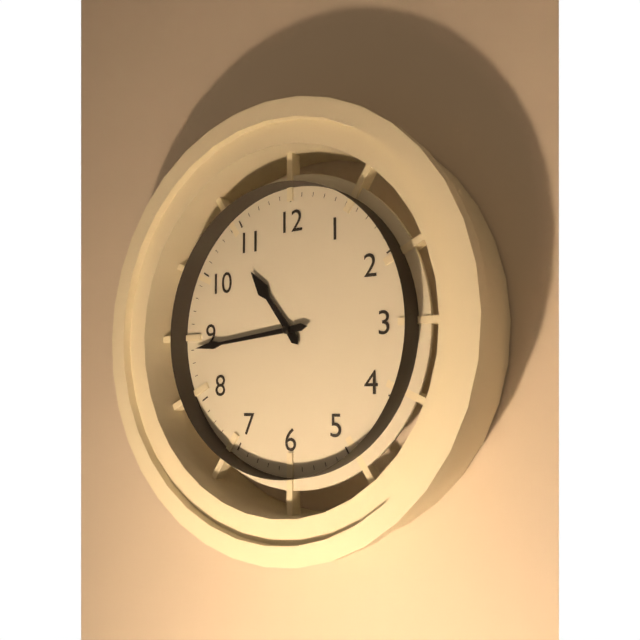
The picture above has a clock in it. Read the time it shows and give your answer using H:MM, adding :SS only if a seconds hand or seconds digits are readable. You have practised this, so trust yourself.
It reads 10:44
